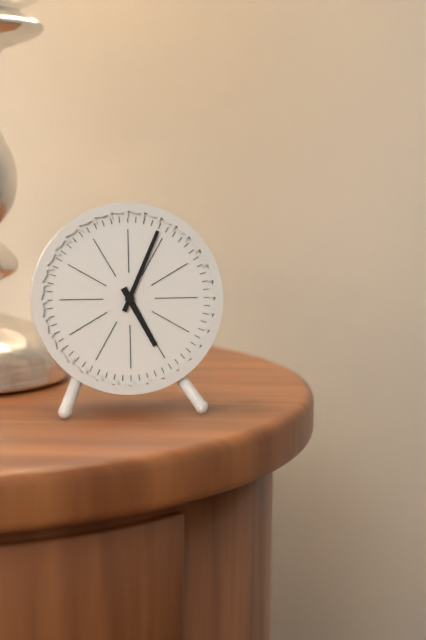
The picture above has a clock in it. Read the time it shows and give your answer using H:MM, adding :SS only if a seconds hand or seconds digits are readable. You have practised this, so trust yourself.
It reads 5:04
